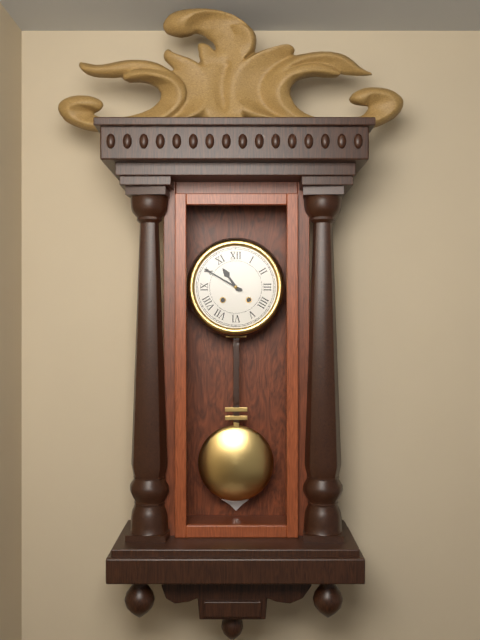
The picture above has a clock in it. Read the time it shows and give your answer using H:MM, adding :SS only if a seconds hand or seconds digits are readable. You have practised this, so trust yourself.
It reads 10:50
